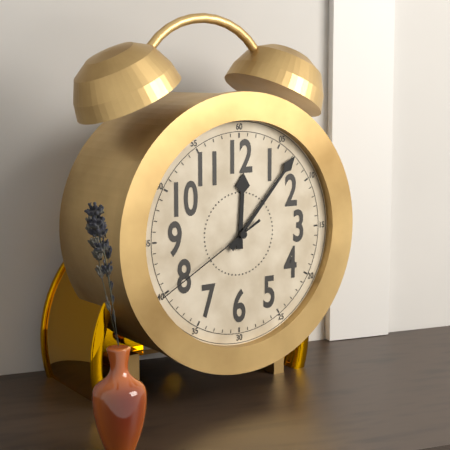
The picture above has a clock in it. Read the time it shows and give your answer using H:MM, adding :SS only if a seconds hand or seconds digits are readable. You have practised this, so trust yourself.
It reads 12:07:40
